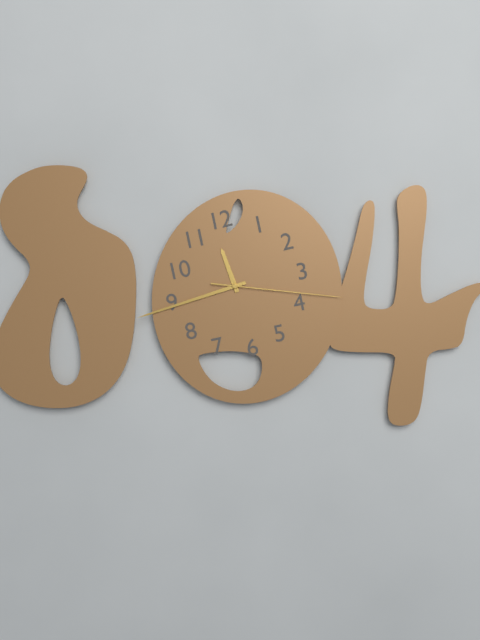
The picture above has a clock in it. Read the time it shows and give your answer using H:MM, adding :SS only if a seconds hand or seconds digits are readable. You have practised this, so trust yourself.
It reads 11:44:18
